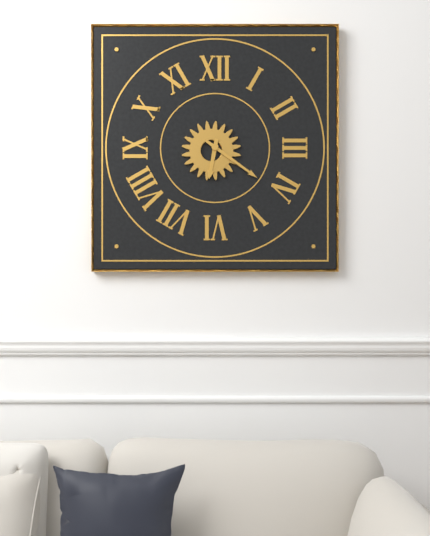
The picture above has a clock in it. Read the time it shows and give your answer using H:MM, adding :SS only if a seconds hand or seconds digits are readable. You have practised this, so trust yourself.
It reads 6:21
